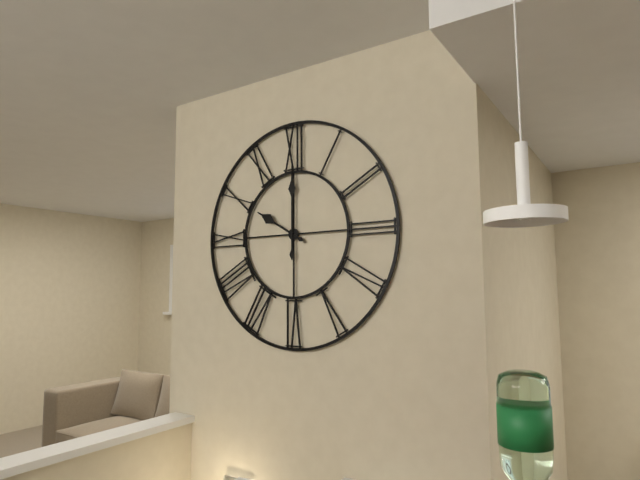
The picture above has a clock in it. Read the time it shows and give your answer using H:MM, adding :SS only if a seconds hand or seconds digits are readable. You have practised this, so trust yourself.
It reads 10:00
